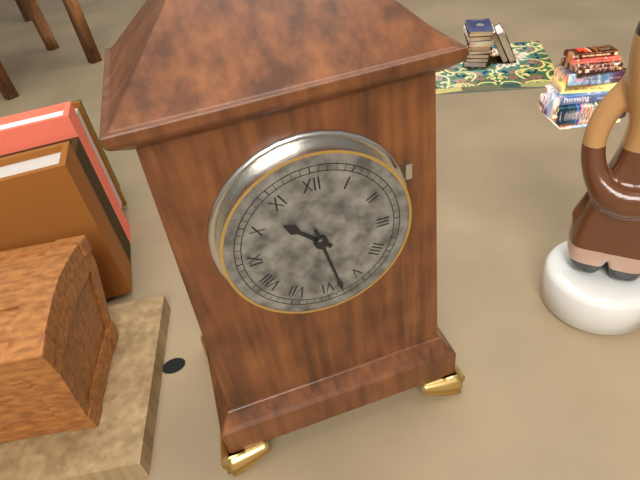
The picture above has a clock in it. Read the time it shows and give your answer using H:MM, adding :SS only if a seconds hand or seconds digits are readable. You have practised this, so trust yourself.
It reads 10:28
